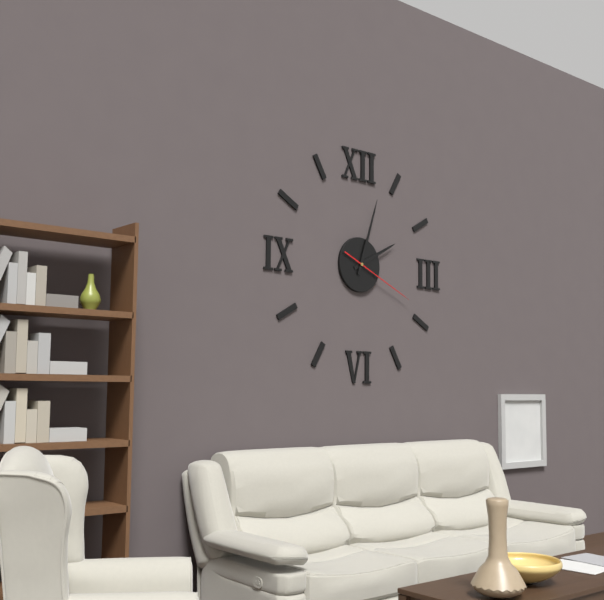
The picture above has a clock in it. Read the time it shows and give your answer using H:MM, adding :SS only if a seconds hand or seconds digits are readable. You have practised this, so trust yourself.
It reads 2:03:19
